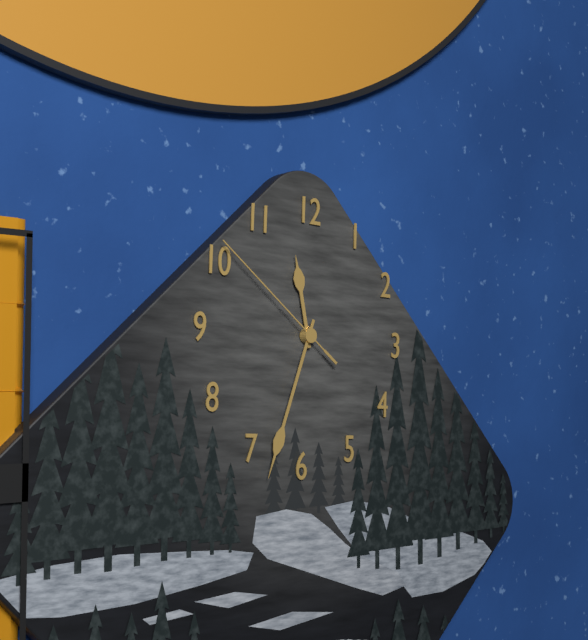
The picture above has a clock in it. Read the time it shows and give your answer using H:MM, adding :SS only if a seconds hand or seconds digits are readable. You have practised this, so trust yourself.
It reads 11:33:51
